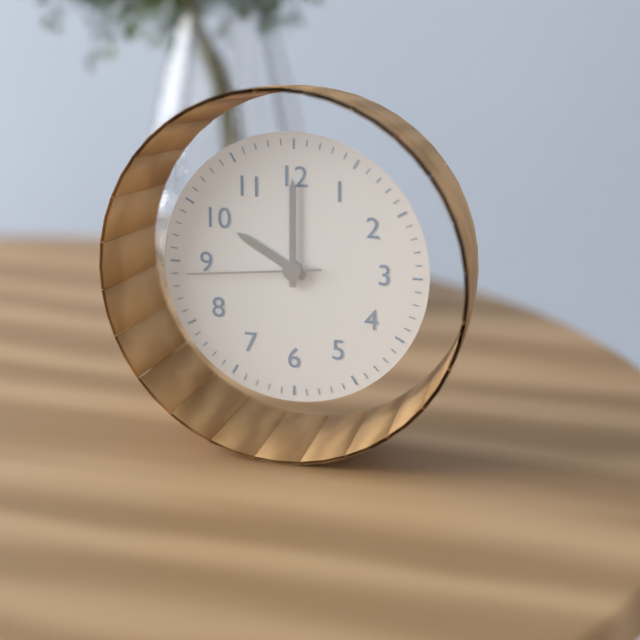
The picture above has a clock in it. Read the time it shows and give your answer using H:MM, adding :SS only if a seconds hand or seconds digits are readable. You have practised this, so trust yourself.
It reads 10:00:44
